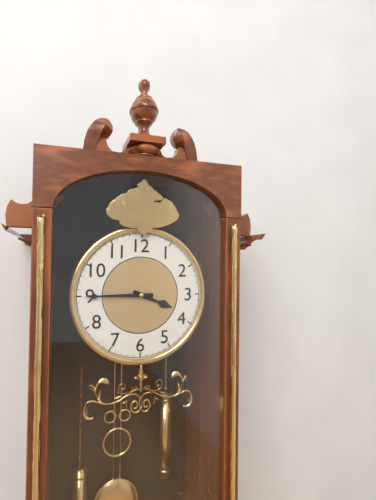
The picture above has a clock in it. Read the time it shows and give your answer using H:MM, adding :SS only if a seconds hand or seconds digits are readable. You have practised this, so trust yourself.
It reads 3:45
